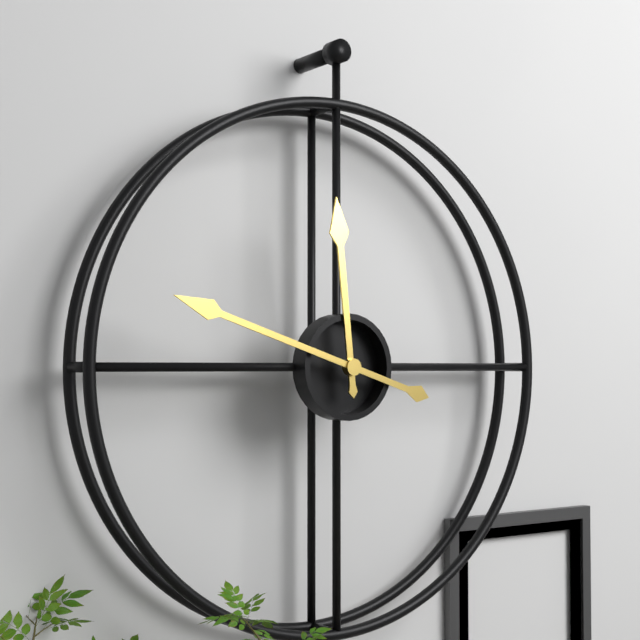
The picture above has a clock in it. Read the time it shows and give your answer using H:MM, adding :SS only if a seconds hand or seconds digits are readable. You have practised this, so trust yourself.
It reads 11:48
